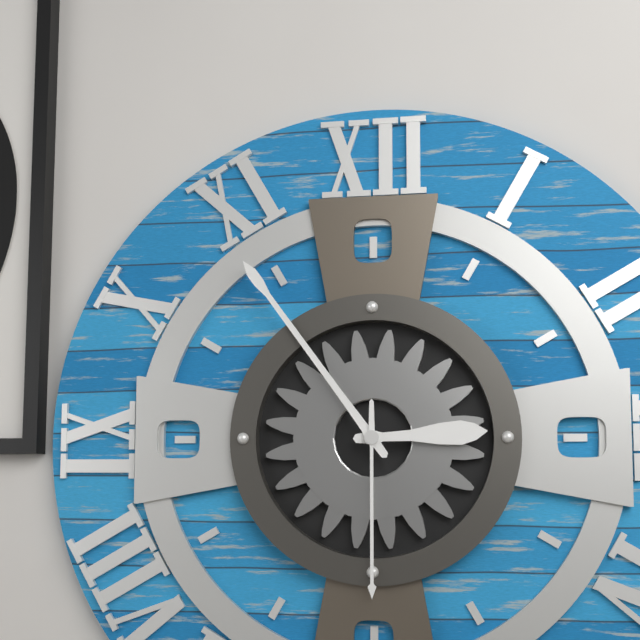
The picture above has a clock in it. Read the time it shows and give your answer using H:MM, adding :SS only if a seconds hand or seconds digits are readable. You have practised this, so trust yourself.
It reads 2:54:30
